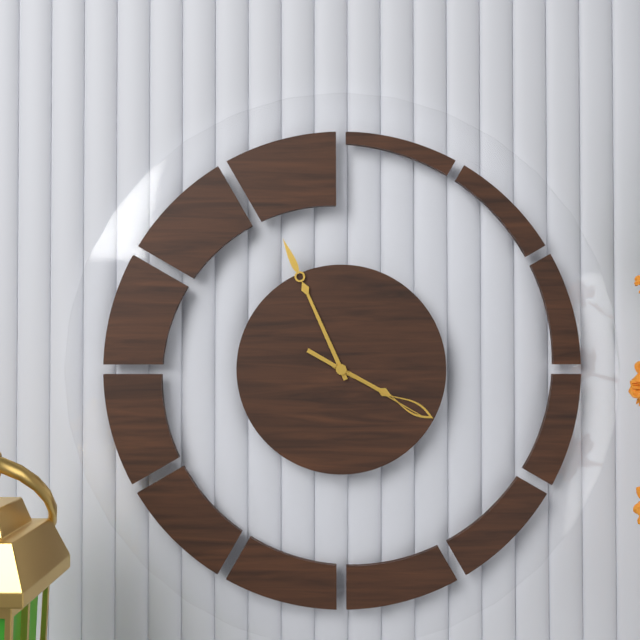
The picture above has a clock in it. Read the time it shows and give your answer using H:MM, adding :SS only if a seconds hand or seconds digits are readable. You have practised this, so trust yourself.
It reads 3:56:20
